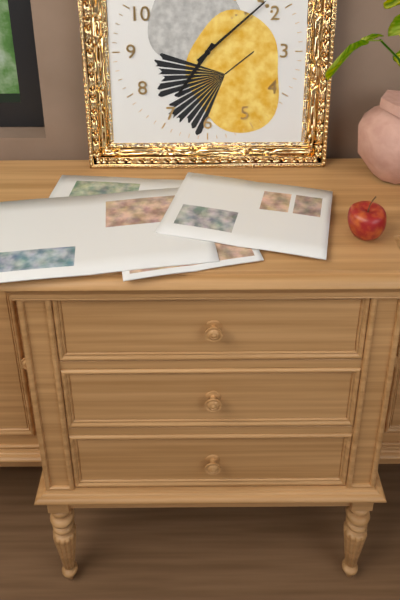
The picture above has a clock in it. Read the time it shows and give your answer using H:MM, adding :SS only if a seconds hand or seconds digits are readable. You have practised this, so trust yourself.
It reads 7:08
